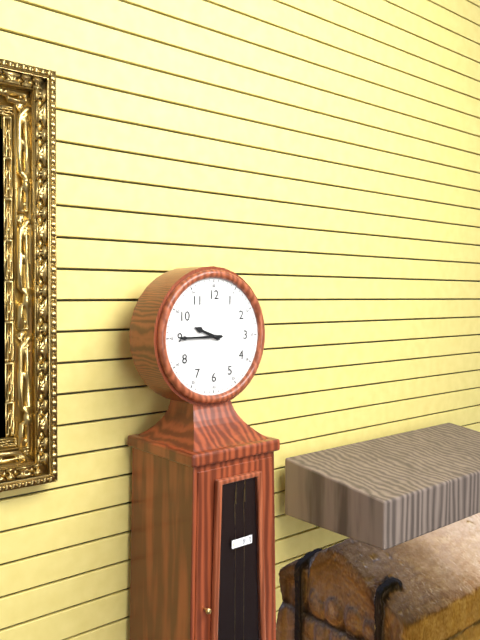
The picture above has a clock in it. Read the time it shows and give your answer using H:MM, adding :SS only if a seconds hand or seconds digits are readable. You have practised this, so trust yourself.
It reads 9:45
